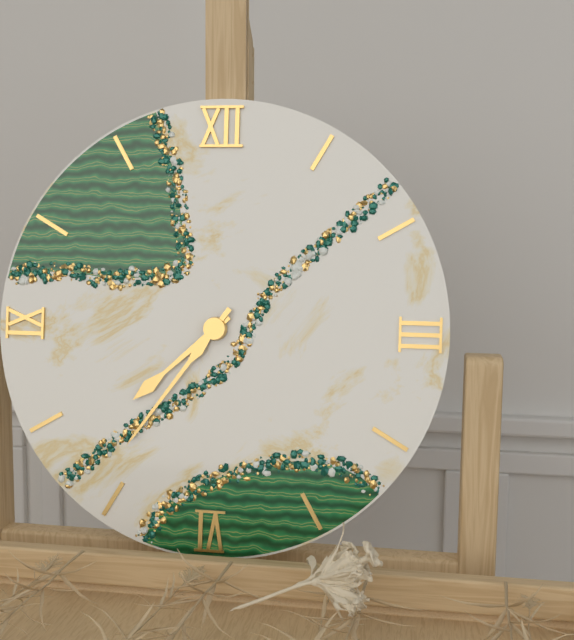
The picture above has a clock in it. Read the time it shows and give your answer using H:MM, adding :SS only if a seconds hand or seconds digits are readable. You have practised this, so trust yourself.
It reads 7:36
